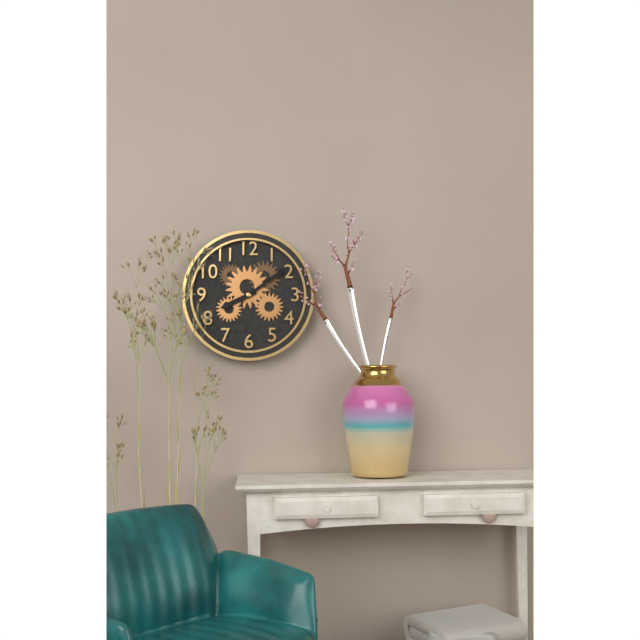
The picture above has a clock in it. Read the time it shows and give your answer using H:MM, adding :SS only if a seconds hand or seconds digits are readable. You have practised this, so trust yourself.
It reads 8:09
